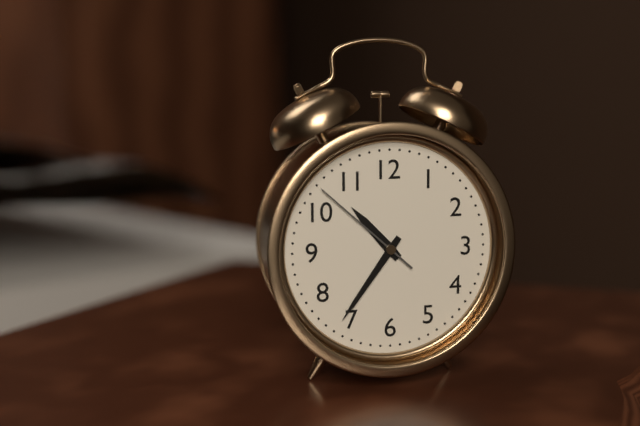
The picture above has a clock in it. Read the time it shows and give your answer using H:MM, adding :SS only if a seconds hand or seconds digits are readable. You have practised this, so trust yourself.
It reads 10:36:52
